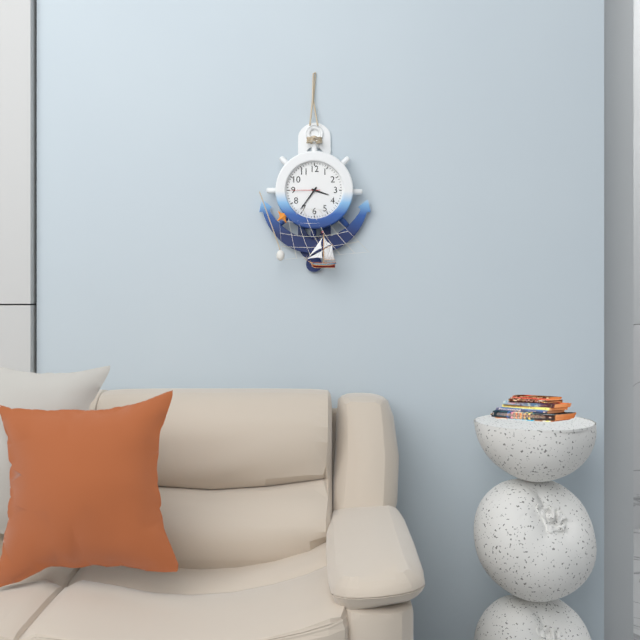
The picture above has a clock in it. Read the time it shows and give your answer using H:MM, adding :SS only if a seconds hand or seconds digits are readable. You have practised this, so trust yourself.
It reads 3:36
